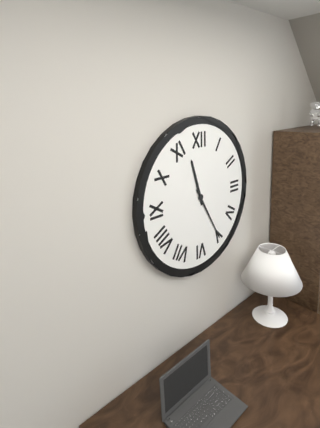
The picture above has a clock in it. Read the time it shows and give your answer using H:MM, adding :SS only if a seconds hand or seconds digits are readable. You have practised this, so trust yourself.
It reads 11:25
